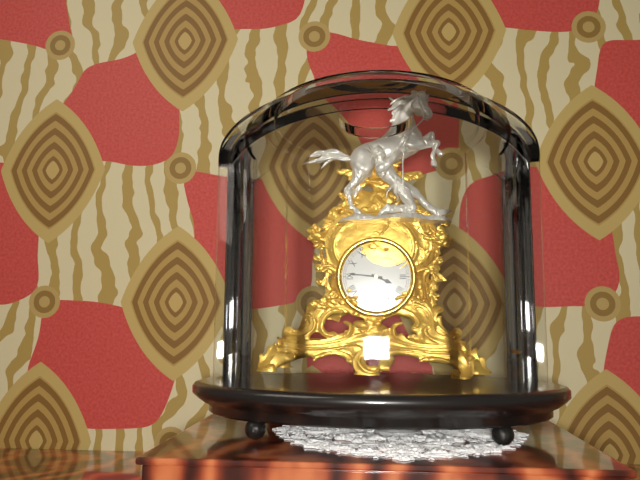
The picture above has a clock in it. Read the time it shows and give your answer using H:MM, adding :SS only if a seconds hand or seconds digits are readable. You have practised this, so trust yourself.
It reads 3:46
